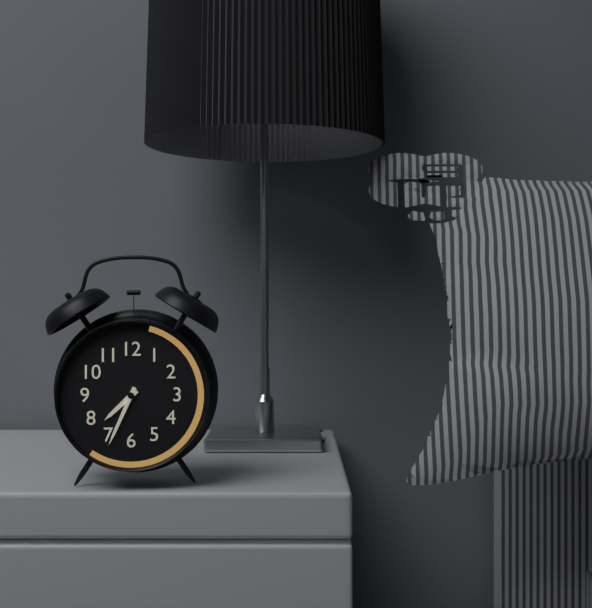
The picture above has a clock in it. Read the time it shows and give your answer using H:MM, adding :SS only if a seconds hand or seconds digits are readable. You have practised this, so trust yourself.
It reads 7:34
